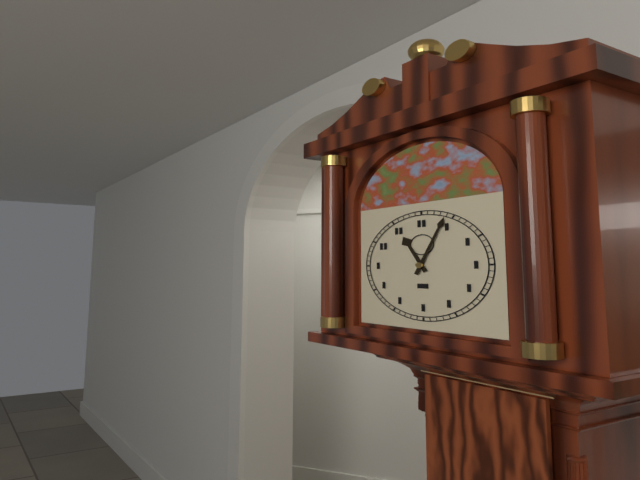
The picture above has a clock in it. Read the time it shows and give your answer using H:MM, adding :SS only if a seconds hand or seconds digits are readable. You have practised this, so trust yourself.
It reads 11:04
